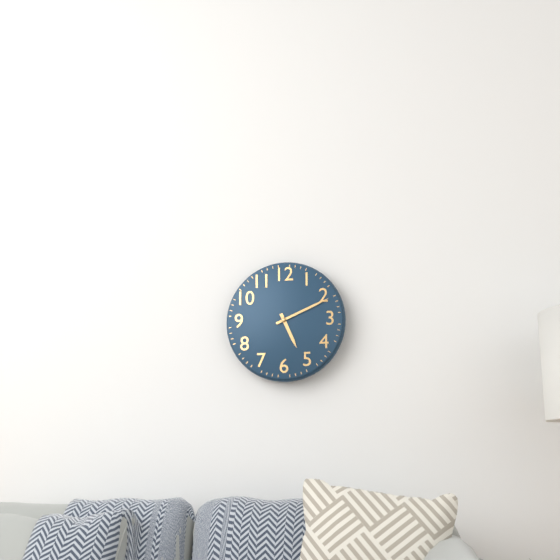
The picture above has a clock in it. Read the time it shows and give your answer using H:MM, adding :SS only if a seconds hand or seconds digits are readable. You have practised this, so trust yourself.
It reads 5:11
